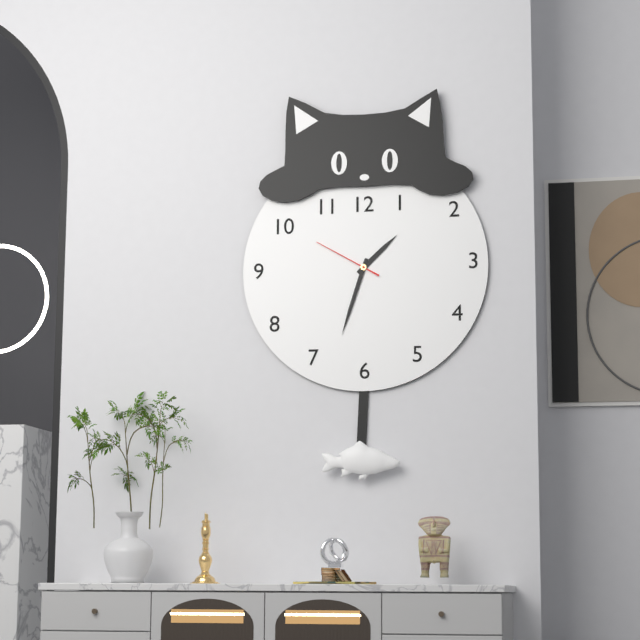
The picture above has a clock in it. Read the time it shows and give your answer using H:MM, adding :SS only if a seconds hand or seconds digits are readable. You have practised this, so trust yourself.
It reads 1:33:50
